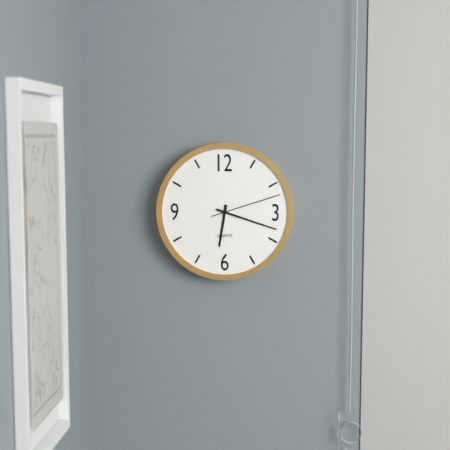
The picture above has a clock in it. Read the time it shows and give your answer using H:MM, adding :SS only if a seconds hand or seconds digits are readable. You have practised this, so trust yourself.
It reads 6:18:12
